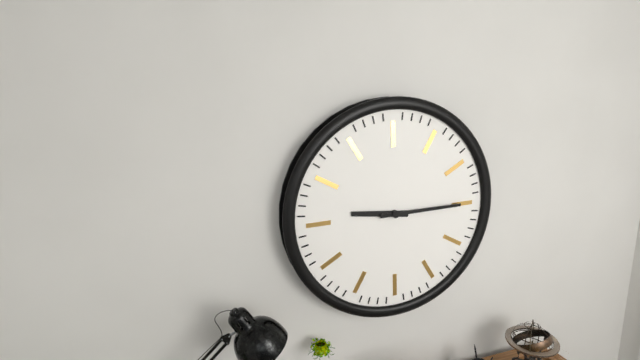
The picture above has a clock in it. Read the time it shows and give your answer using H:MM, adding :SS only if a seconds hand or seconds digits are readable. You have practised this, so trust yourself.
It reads 9:15
